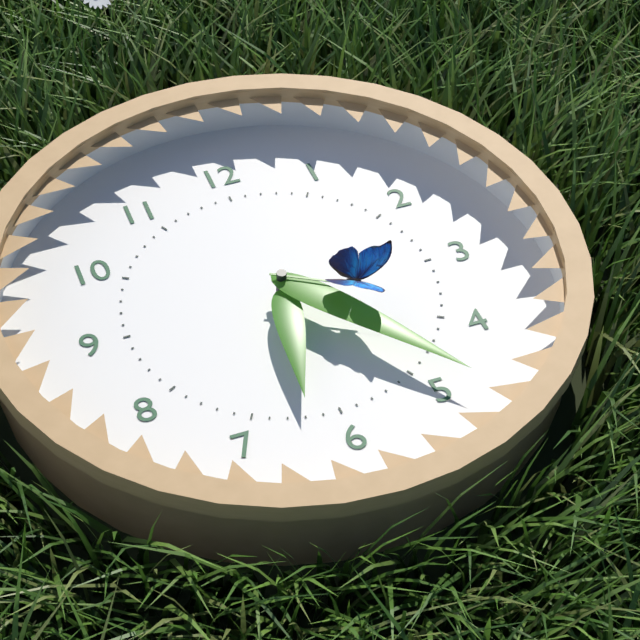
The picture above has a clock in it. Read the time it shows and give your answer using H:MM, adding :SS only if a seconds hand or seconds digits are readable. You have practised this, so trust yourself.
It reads 6:24:20
